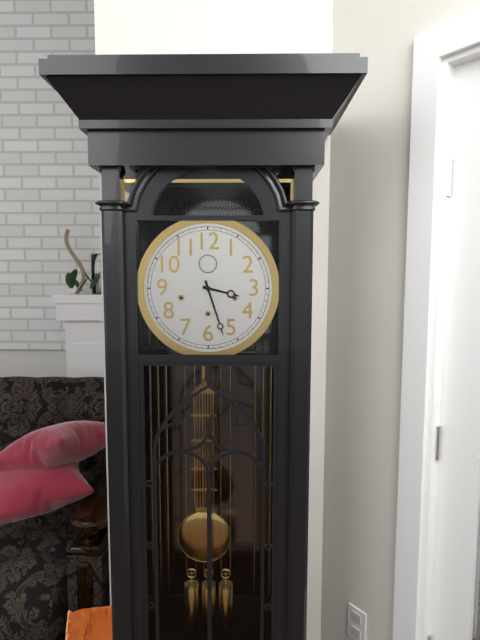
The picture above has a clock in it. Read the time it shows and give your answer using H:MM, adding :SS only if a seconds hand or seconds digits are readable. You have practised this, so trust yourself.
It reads 3:27
